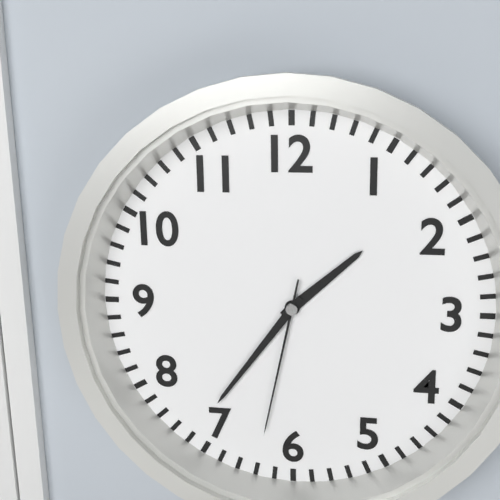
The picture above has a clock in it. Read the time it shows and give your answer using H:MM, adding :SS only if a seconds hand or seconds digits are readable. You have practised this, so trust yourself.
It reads 1:36:32
